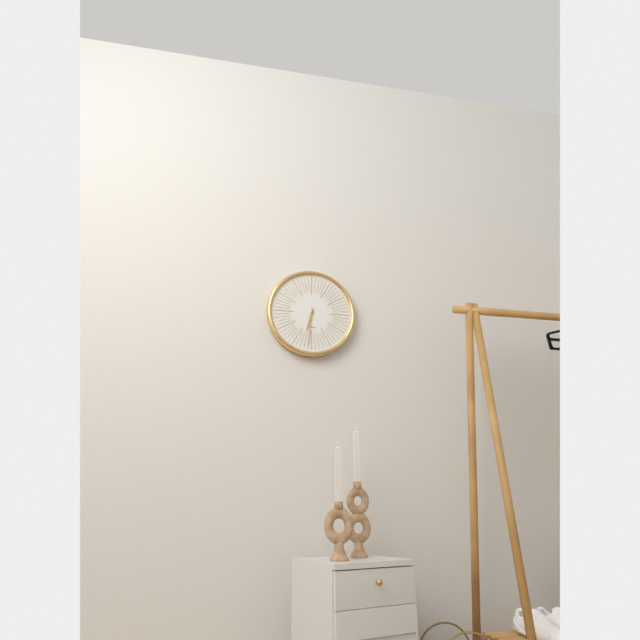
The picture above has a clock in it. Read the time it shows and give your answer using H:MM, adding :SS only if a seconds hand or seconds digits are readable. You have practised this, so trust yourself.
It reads 6:31
